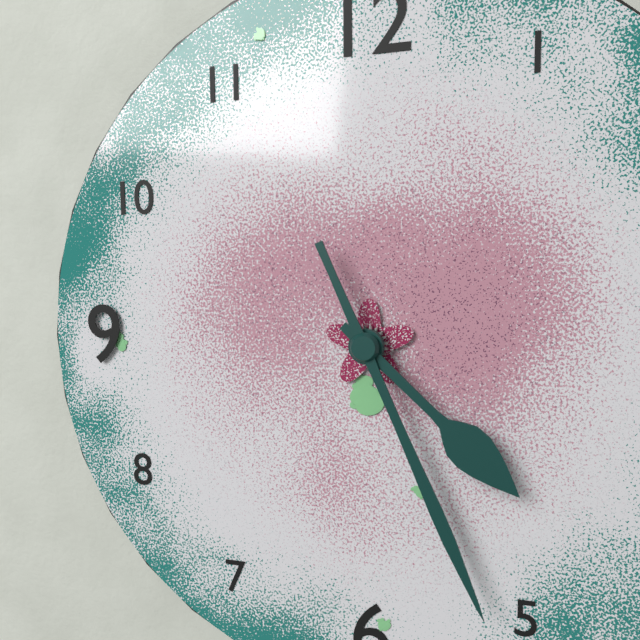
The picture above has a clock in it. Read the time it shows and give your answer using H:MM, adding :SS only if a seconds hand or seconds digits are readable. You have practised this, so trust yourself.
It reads 4:26
